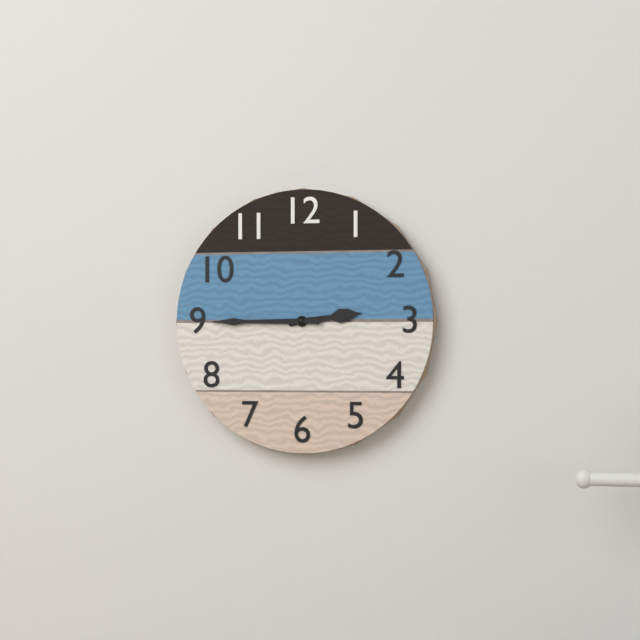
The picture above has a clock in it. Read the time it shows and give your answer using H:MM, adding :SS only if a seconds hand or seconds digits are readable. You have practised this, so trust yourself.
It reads 2:45
